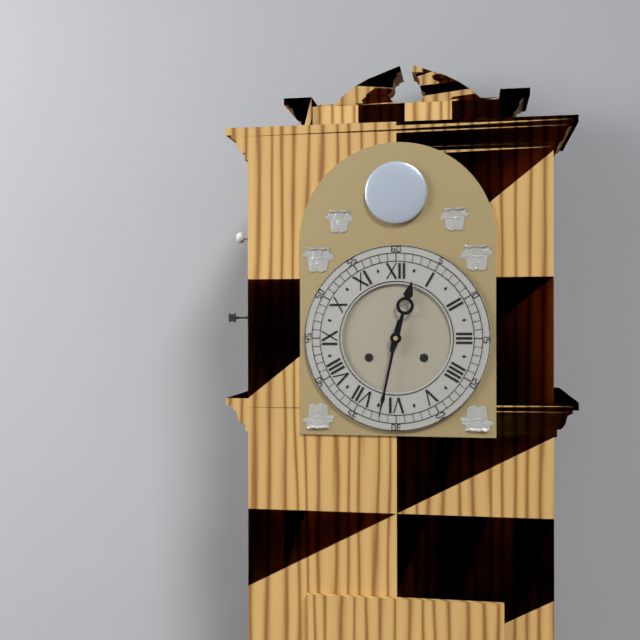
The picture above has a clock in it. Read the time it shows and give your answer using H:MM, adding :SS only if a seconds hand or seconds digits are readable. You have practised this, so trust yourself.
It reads 12:32
